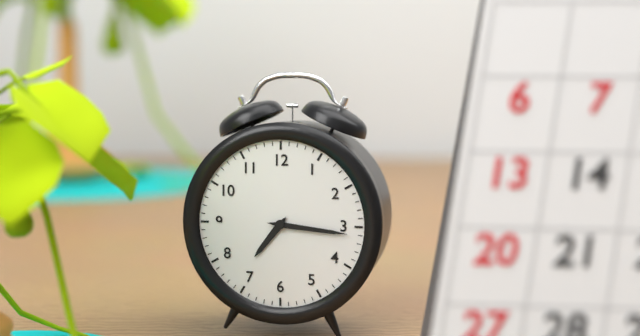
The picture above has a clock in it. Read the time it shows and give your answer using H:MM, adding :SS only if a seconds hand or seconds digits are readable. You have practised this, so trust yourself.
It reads 7:16
